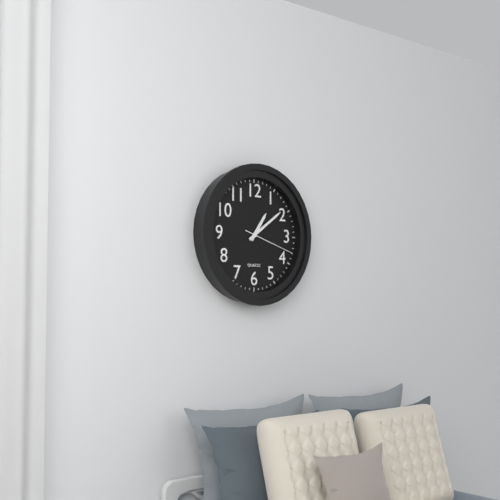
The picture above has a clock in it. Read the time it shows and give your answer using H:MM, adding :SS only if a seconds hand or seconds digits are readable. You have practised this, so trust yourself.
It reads 1:09:18
